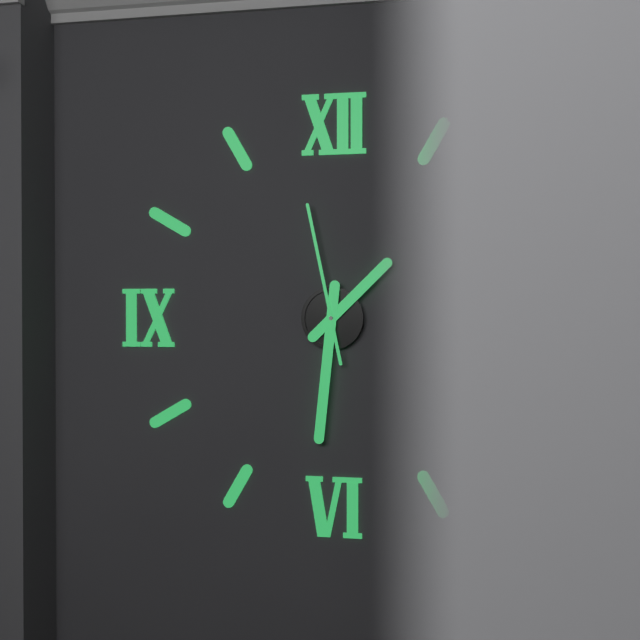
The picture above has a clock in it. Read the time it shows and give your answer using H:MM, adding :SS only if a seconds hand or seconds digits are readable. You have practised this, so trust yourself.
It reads 1:31:58
